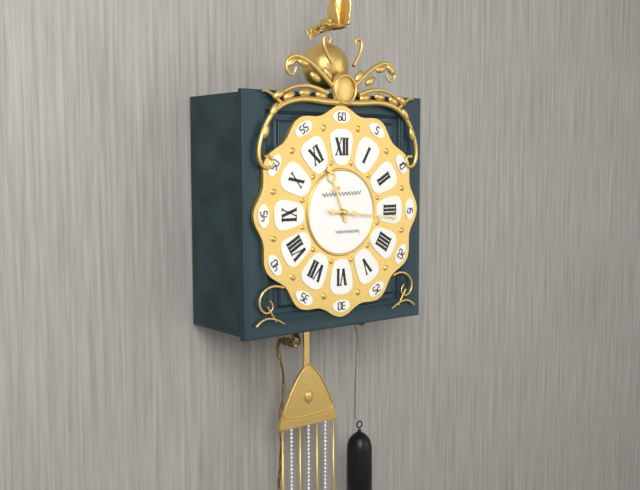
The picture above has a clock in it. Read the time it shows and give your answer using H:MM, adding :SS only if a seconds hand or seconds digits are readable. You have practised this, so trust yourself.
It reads 11:16
